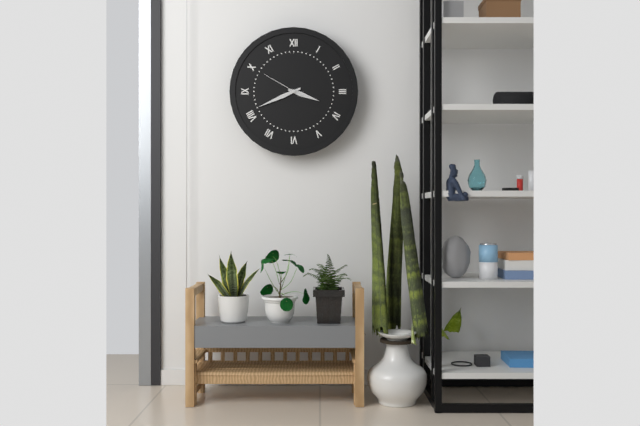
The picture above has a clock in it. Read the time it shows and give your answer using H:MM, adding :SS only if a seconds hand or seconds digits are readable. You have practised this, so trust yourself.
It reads 3:41
